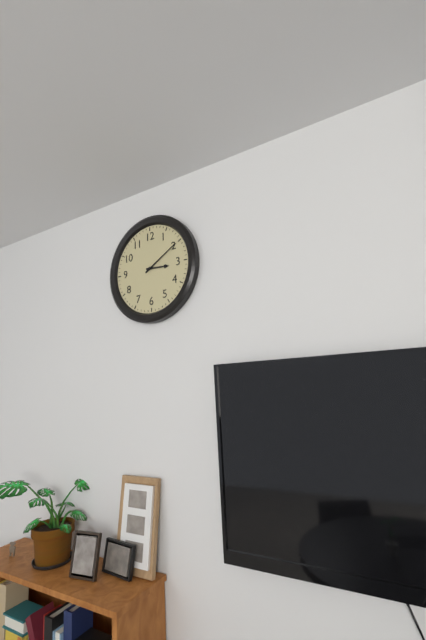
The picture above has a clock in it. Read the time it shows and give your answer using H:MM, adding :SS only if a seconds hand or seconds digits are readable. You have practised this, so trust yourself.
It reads 3:10
